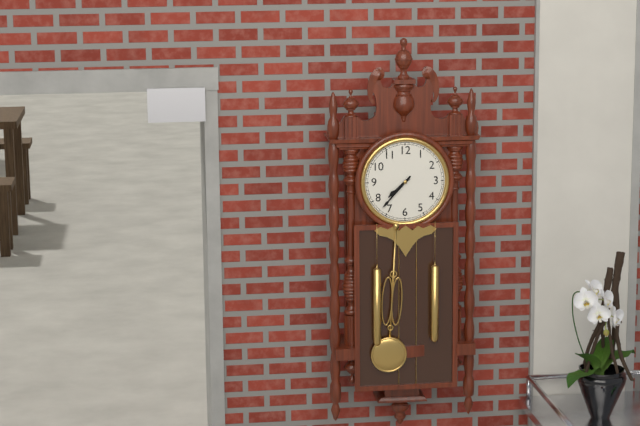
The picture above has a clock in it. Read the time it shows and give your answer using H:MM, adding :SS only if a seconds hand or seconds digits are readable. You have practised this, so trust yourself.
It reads 7:37
